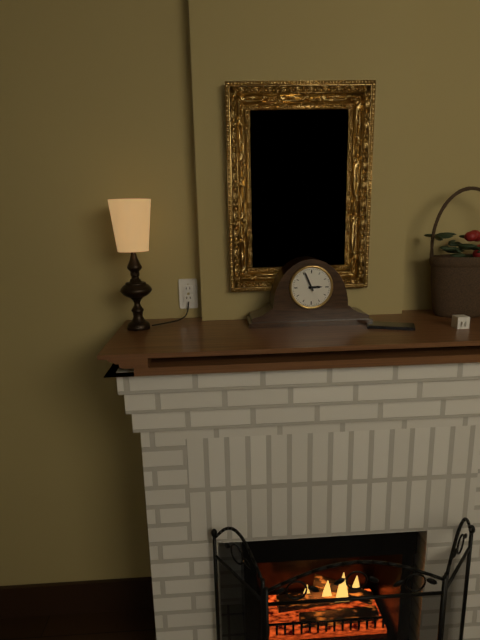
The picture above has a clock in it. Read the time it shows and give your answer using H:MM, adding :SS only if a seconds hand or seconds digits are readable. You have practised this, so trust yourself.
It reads 2:56
